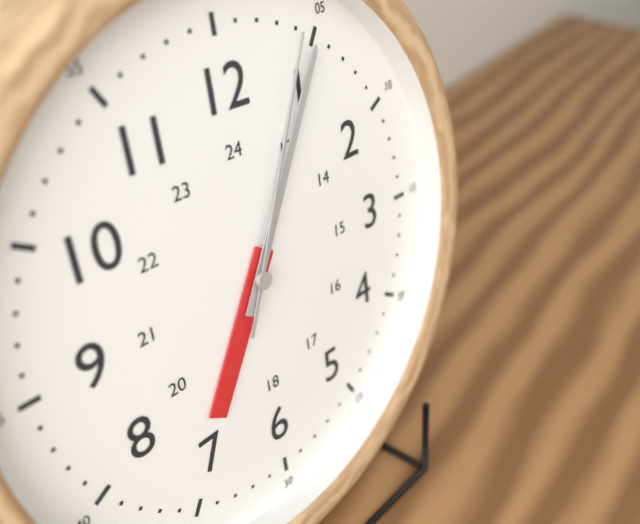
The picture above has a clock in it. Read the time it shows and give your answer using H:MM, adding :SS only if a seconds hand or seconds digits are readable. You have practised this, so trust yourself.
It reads 7:05:04
